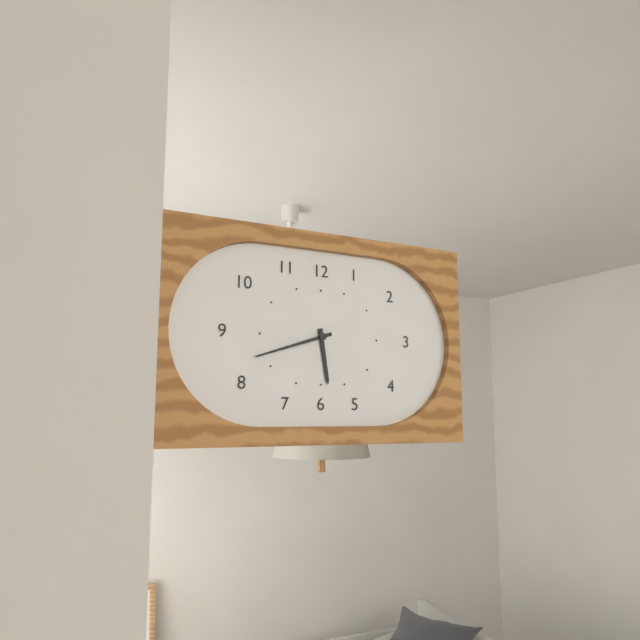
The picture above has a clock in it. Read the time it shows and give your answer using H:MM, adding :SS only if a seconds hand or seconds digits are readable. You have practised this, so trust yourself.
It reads 5:42
